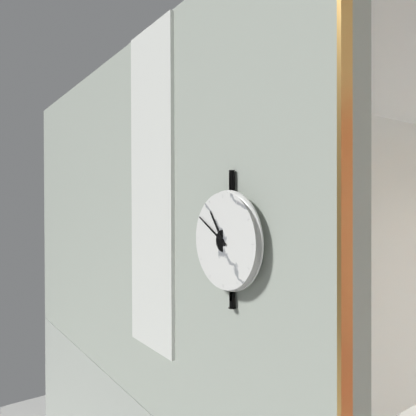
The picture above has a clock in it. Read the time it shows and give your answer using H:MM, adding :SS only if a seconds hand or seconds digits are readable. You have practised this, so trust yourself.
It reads 10:50
